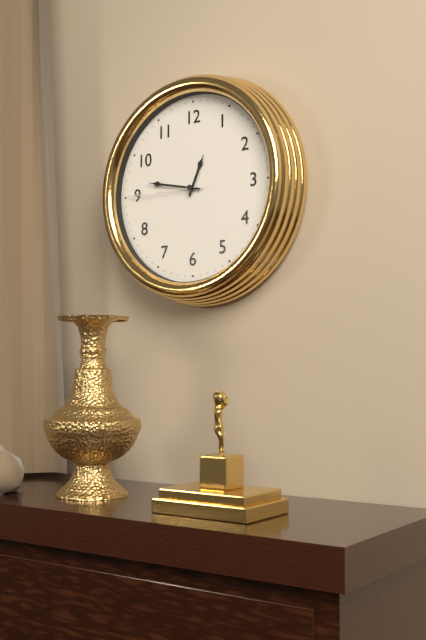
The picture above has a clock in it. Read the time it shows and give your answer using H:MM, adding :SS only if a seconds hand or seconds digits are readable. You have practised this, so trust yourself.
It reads 12:47:45
